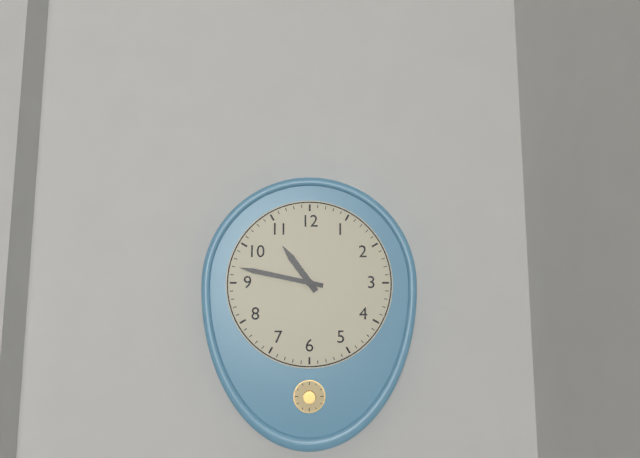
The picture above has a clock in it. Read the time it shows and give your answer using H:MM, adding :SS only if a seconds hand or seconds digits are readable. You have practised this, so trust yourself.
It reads 10:47
